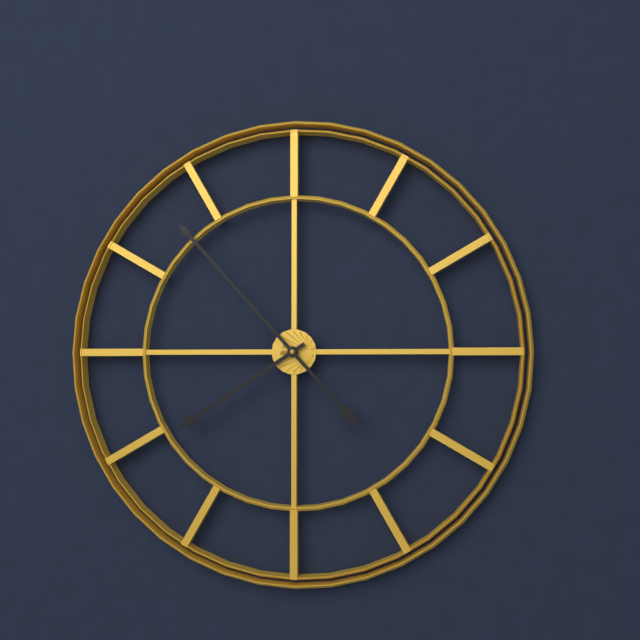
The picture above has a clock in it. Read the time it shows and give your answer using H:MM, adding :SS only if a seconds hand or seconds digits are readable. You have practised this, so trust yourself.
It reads 7:53
